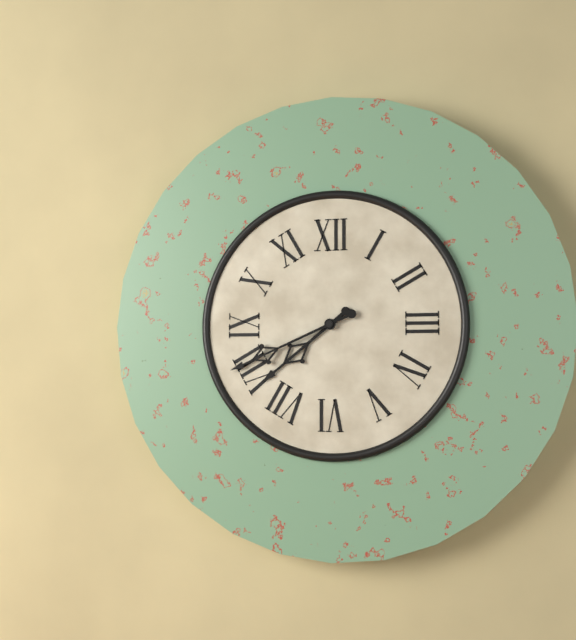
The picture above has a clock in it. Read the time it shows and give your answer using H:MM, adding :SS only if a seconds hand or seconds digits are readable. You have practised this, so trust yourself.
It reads 7:41
